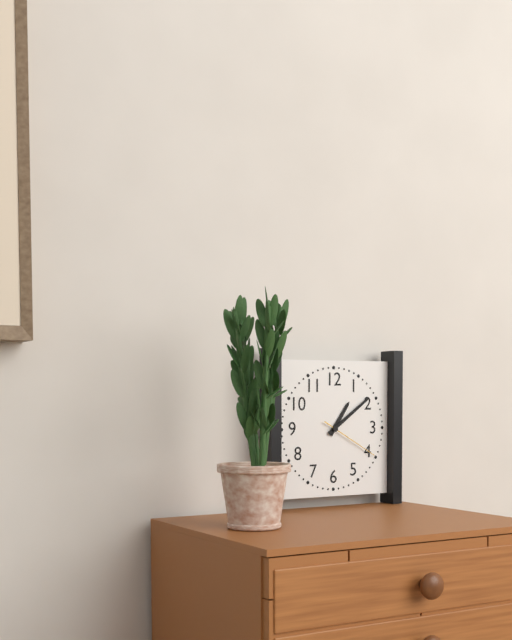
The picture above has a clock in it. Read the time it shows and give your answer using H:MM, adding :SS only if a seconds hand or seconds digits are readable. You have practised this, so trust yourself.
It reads 1:09:20
